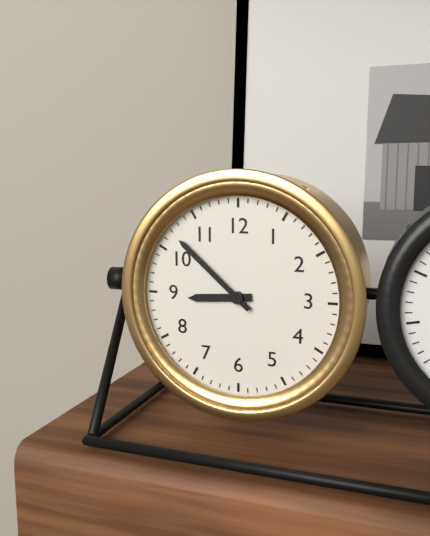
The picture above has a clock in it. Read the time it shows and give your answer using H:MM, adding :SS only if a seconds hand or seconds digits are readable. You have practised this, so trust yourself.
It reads 8:52
